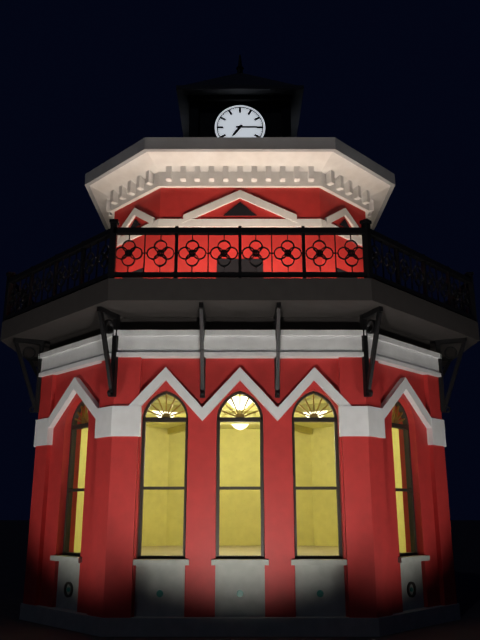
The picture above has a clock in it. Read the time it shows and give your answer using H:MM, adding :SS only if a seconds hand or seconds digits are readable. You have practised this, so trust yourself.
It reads 7:15
